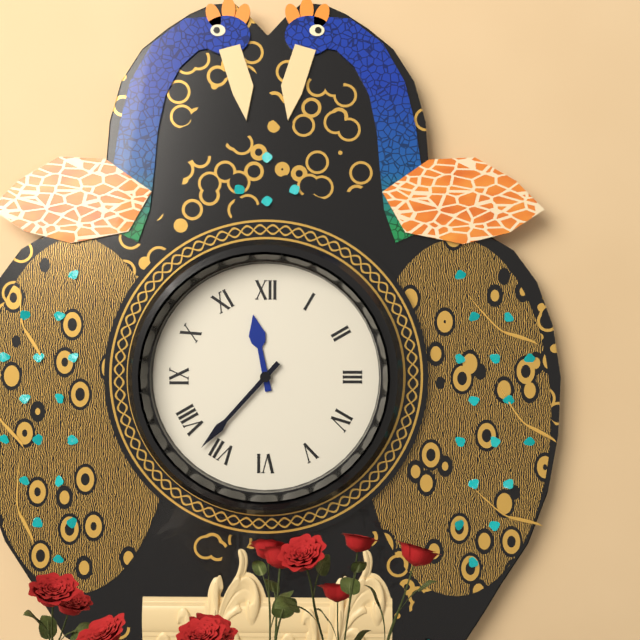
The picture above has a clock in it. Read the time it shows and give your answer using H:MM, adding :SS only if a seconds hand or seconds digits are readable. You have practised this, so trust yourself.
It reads 11:37
